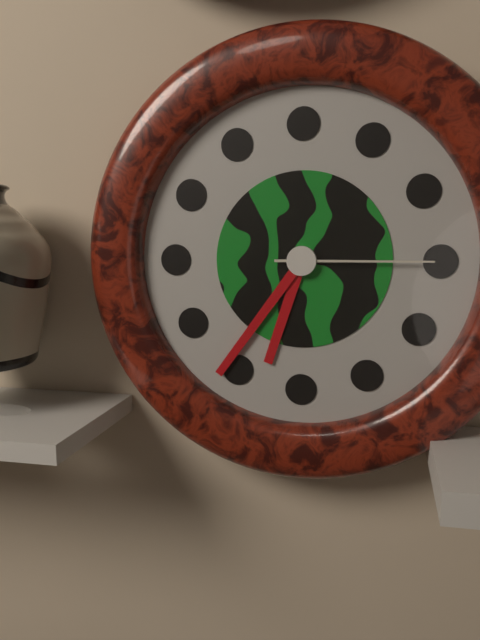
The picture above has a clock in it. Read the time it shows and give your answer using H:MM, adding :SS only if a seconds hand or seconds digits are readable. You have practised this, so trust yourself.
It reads 6:36:15
